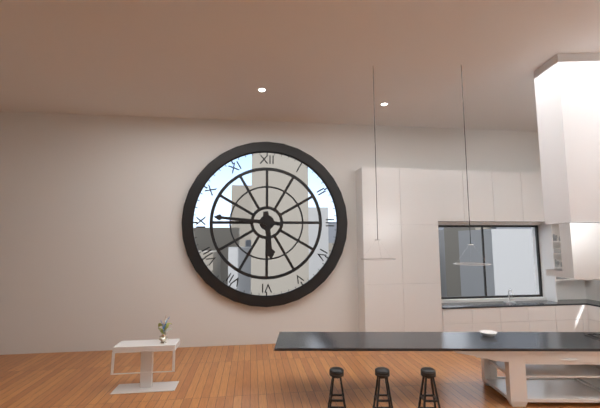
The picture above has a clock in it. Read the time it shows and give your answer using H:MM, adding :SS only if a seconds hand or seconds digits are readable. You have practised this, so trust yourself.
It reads 5:46
